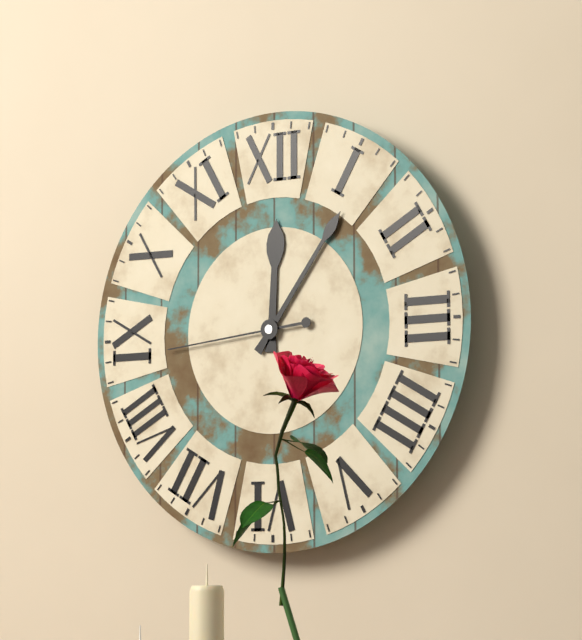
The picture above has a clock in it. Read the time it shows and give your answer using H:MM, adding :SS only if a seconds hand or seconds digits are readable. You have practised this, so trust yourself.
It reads 12:06:44
